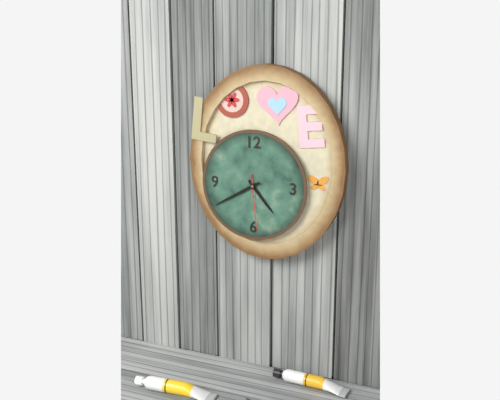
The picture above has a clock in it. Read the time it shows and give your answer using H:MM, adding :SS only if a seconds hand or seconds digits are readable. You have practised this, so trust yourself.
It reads 4:40:29
